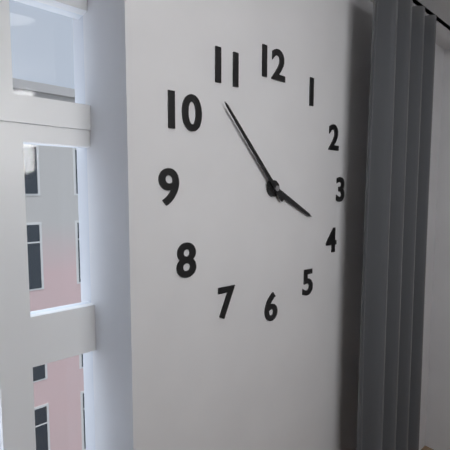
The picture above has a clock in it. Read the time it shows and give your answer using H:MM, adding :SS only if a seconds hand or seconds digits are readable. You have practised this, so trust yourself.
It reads 3:53
